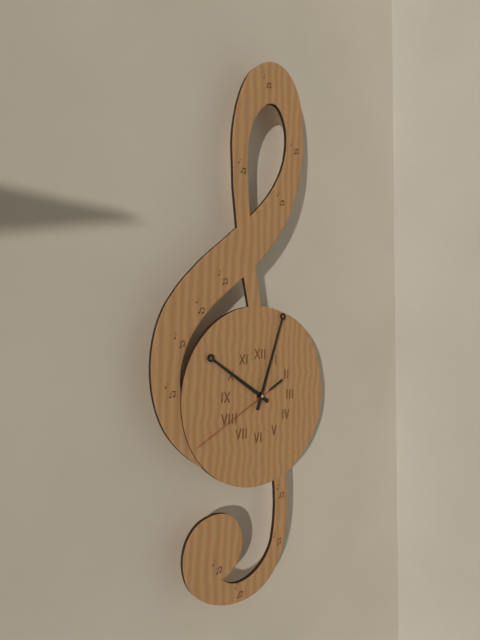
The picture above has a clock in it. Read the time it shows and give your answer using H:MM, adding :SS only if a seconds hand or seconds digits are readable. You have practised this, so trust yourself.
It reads 10:03:40
